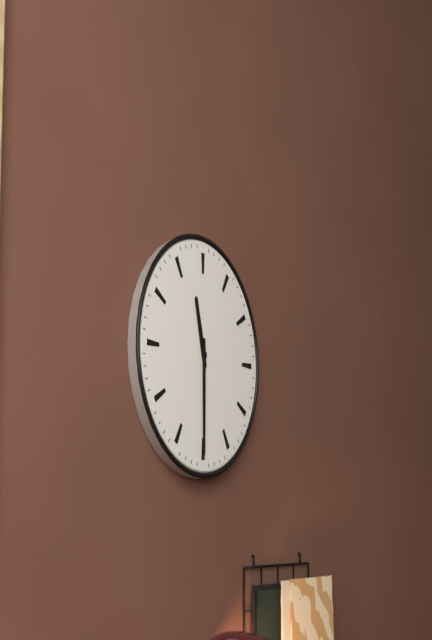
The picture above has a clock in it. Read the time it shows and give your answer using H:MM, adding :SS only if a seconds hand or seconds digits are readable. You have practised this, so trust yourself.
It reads 11:30
